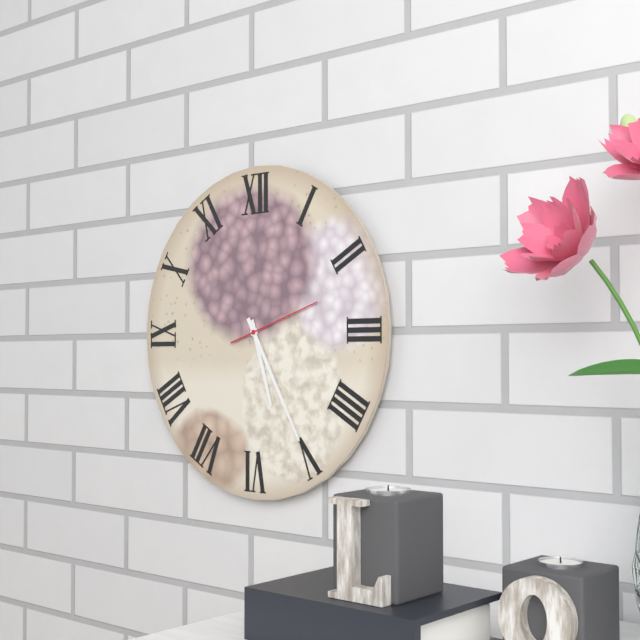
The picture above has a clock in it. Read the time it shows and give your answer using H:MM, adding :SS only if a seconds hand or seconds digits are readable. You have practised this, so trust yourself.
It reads 5:25:12
